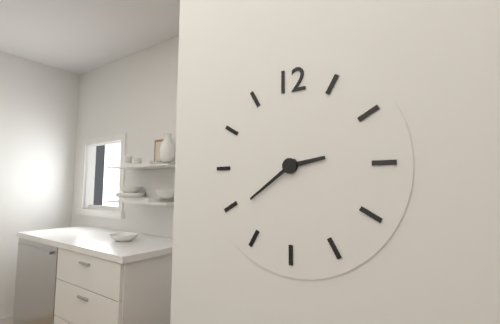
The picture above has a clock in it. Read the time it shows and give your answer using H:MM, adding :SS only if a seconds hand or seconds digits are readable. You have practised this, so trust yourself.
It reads 2:39
